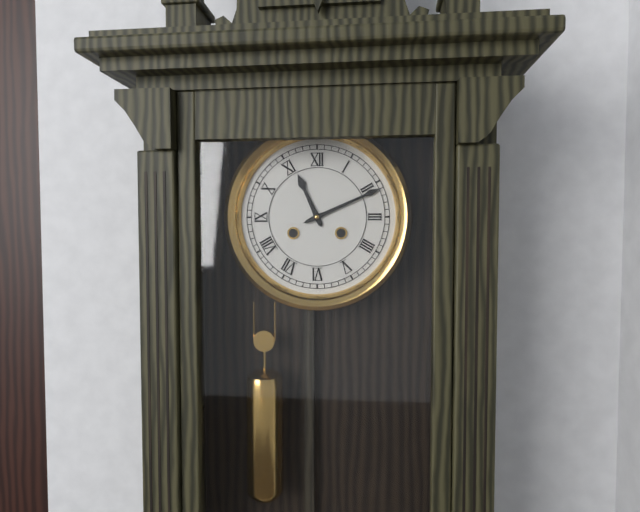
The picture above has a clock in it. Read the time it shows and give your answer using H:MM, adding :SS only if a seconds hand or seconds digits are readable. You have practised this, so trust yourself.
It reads 11:11
